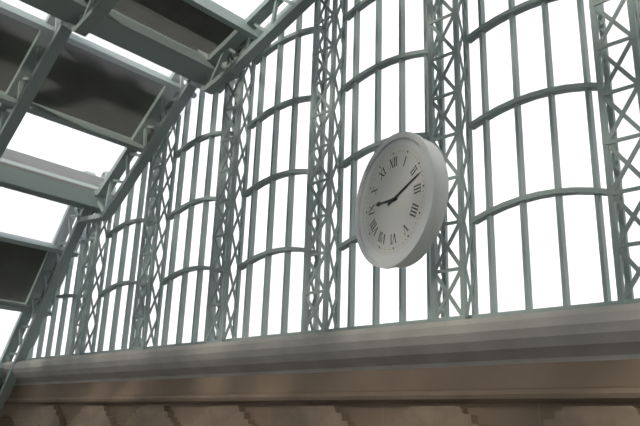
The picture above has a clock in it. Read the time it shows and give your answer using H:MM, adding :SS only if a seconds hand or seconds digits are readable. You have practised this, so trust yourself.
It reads 9:12
